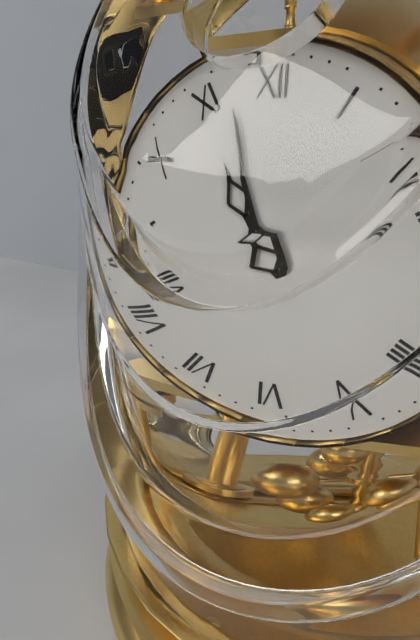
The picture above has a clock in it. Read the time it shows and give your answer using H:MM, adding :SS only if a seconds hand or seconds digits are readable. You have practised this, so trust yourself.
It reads 10:57
